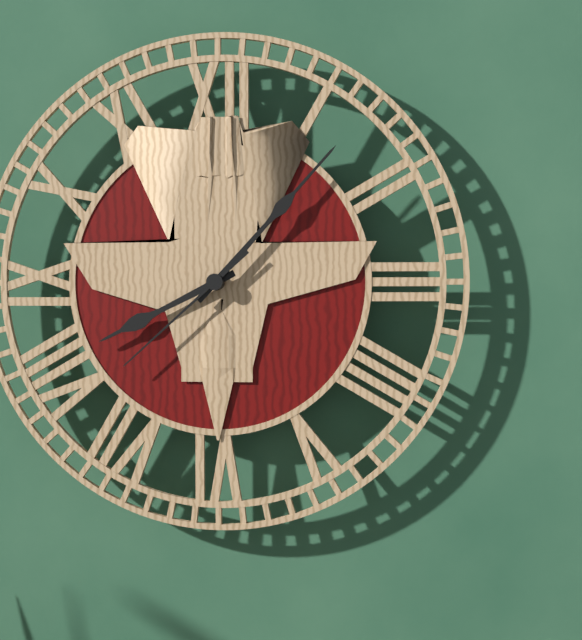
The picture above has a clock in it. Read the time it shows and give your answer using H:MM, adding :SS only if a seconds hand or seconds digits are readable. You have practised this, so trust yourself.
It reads 8:07:38
